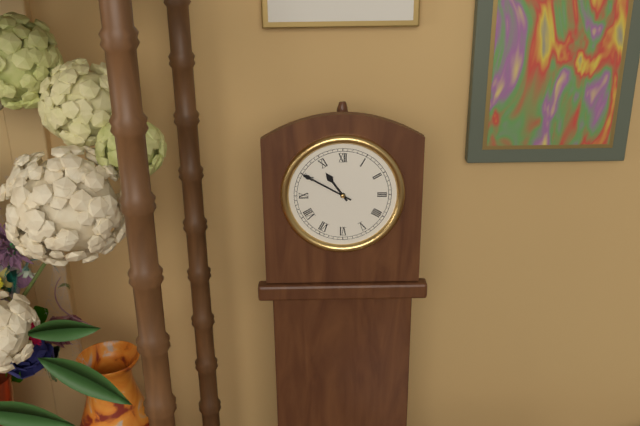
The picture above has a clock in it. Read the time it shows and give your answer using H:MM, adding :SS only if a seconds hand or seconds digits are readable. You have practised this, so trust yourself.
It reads 10:50
